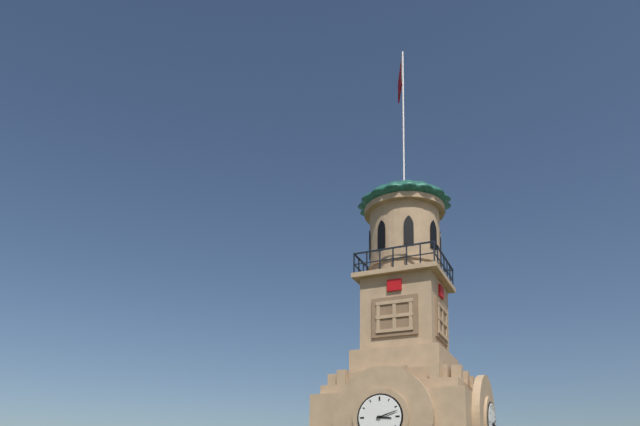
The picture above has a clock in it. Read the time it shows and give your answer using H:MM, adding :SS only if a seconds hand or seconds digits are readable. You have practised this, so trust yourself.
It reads 3:12
